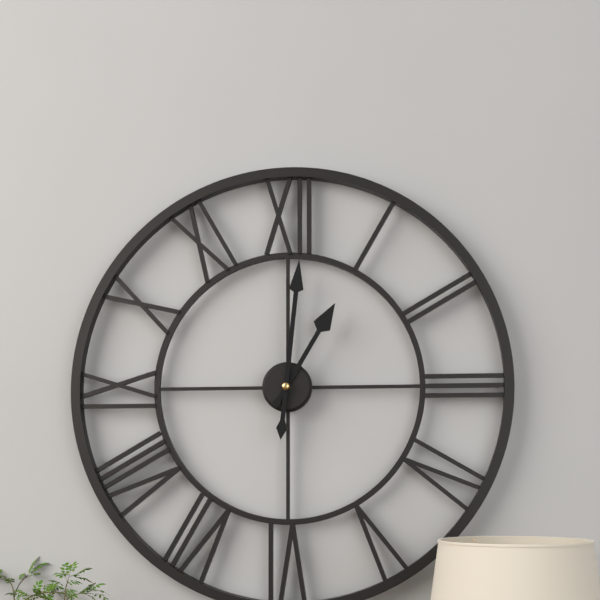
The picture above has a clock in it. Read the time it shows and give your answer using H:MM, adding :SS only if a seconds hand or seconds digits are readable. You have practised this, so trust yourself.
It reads 1:01
